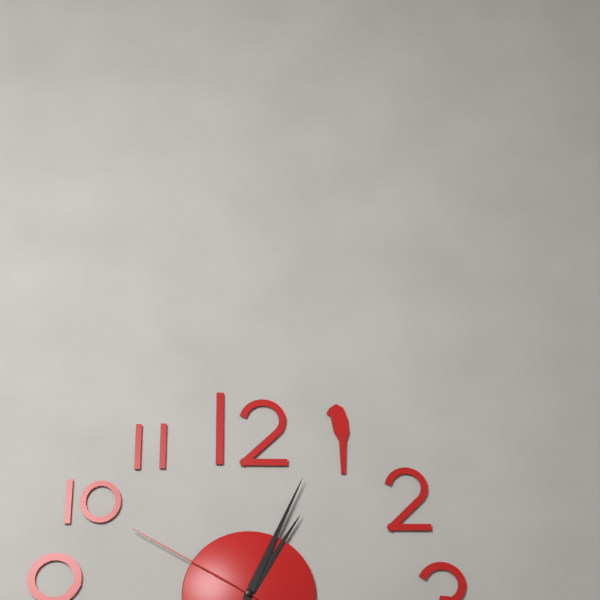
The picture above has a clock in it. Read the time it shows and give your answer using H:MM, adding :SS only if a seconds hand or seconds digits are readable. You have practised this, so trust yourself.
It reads 1:04:50
